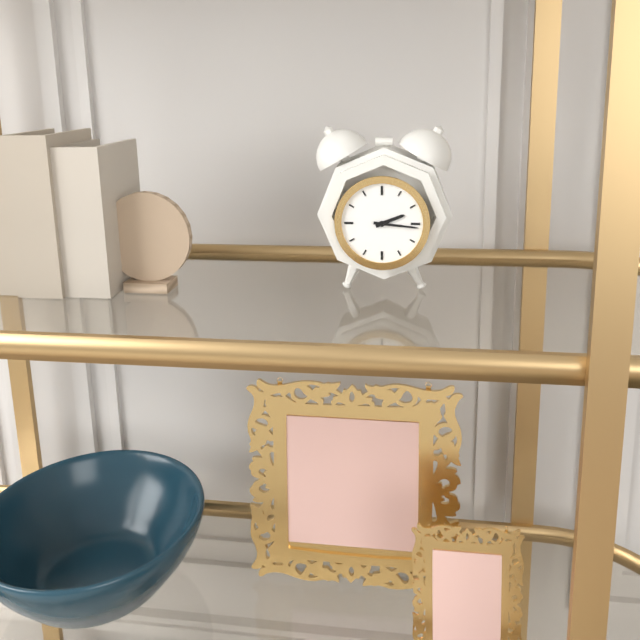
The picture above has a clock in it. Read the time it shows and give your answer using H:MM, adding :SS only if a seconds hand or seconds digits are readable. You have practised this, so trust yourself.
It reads 2:16
